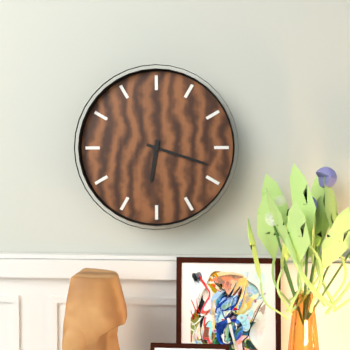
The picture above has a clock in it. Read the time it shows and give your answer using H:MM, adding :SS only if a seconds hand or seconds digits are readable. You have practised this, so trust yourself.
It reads 6:18
